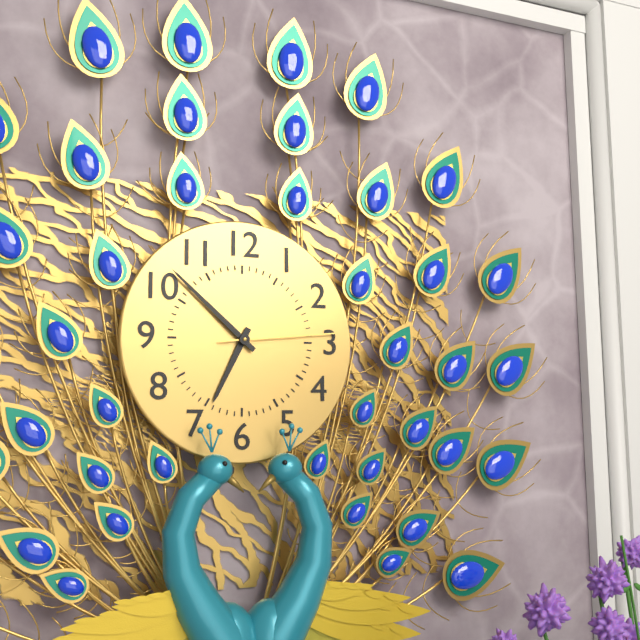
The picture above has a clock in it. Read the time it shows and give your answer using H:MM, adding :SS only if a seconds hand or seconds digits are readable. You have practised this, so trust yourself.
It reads 6:52:14
